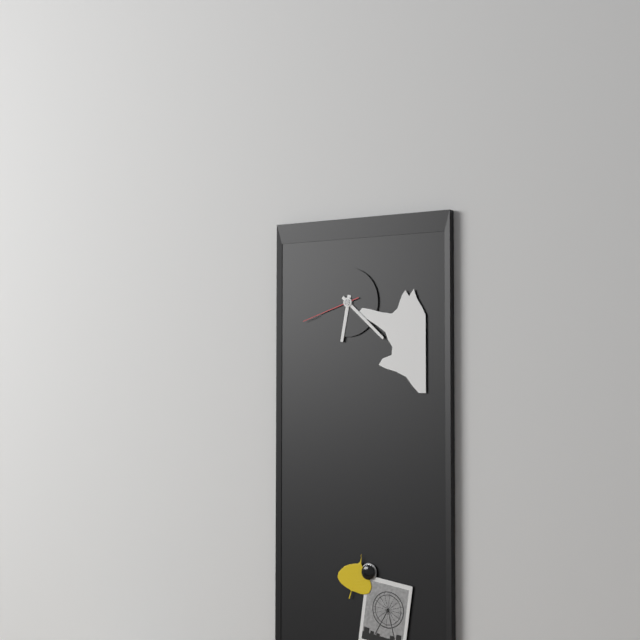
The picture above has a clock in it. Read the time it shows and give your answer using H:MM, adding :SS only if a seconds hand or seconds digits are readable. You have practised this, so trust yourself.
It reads 6:22:42
